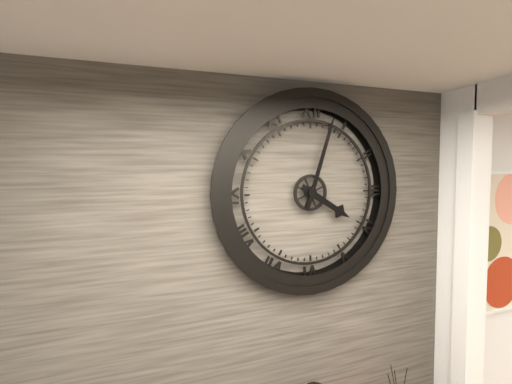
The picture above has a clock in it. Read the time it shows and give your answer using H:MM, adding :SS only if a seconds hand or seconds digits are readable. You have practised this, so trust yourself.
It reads 4:03
